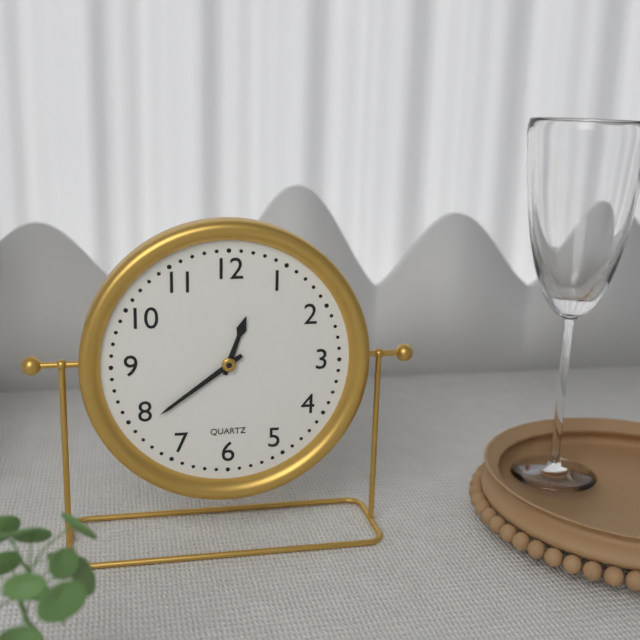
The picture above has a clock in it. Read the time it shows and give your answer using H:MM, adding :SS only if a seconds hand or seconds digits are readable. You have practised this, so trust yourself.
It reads 12:39
